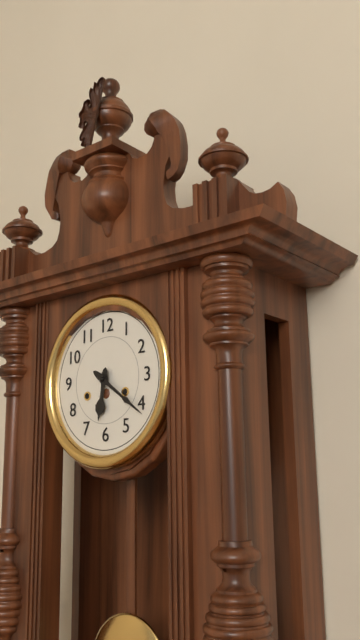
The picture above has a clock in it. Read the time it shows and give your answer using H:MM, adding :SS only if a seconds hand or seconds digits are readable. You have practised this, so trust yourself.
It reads 6:21
